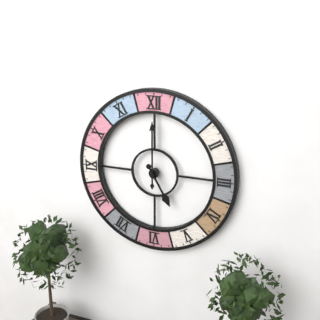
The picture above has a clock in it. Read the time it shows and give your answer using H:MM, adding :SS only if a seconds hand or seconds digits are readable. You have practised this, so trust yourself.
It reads 5:00
